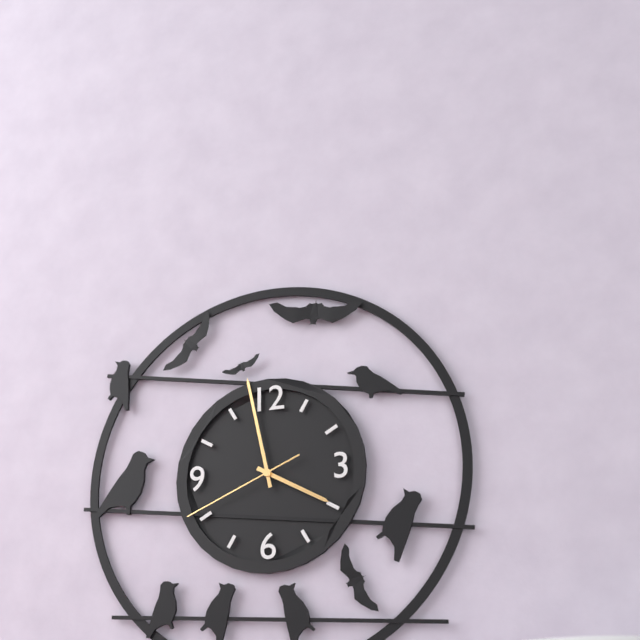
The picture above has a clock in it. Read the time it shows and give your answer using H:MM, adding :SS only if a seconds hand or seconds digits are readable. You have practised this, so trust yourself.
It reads 3:58:41
